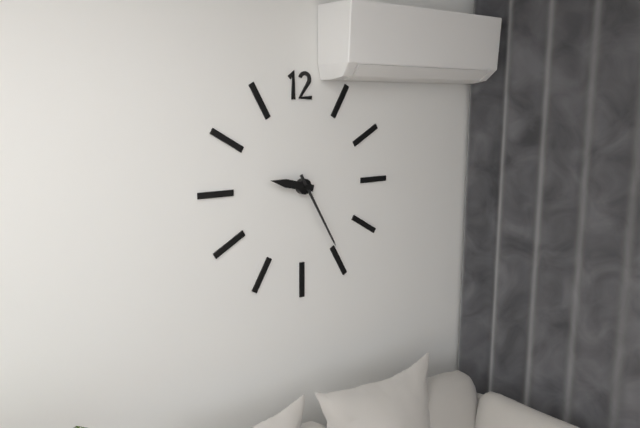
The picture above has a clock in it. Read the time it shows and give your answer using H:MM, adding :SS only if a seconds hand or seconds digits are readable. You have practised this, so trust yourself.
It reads 9:25
